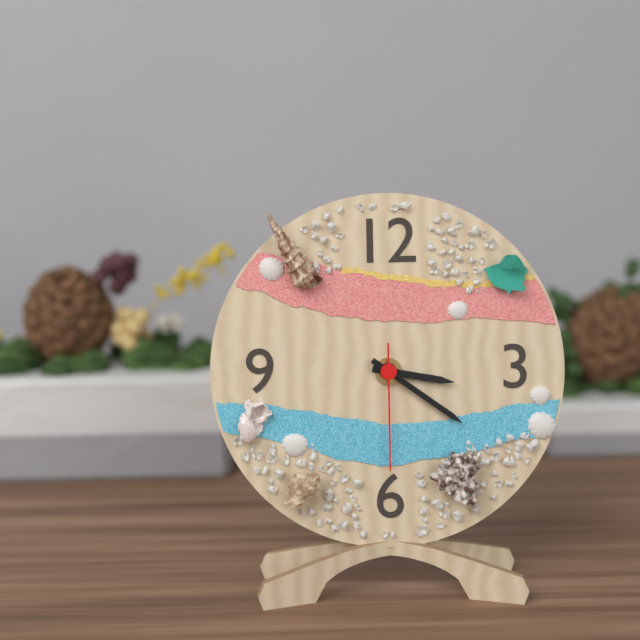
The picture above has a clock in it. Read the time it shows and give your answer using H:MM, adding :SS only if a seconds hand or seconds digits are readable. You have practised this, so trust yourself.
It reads 3:21:30
